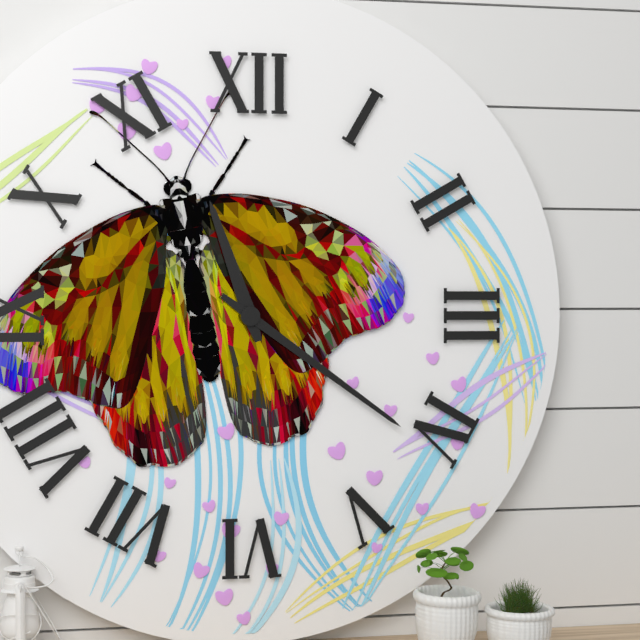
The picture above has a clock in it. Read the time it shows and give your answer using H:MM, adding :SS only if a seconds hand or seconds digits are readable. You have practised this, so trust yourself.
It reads 11:21
